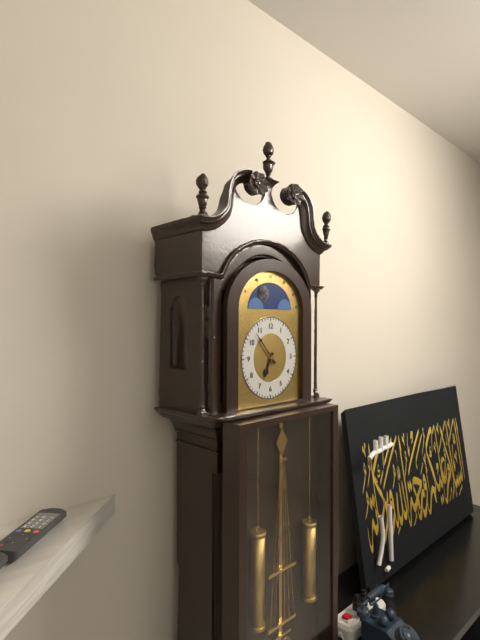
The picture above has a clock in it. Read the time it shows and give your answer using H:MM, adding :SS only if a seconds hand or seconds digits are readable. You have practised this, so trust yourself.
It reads 6:53
